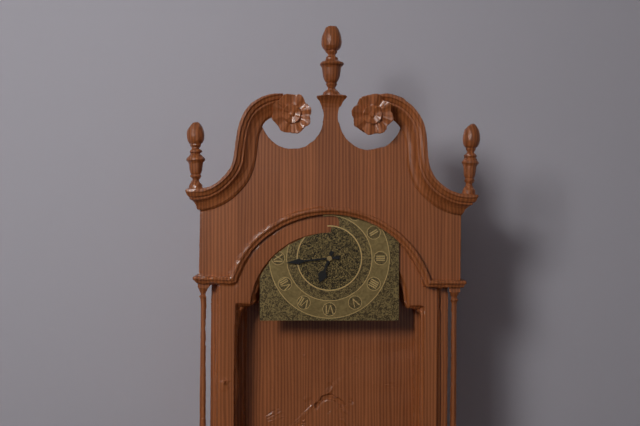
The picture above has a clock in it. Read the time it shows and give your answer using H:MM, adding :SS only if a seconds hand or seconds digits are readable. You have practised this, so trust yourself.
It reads 6:44
